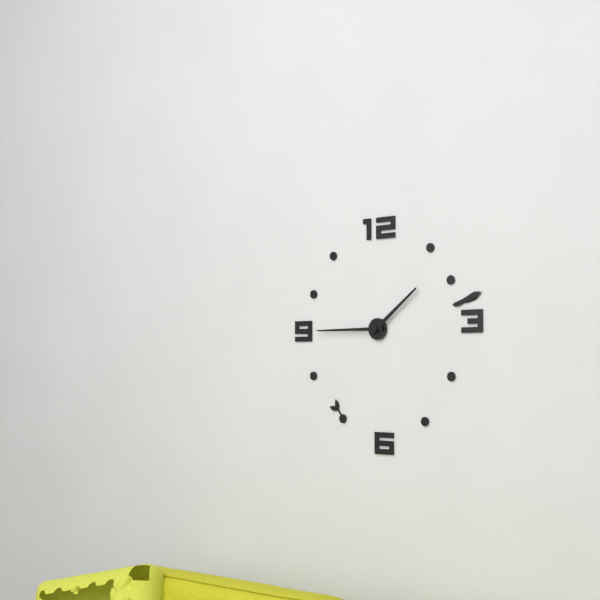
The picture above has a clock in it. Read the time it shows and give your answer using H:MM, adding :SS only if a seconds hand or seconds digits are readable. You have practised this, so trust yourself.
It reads 1:45
